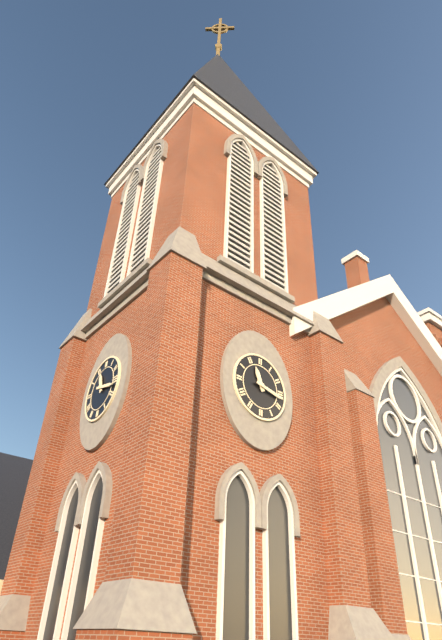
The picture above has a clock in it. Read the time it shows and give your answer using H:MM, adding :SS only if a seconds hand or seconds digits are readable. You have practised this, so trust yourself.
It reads 11:17
